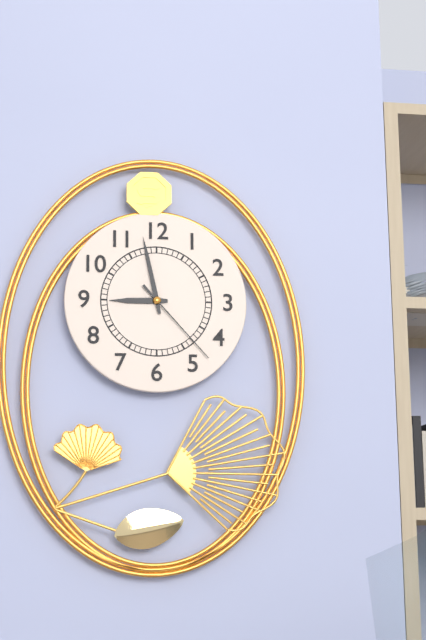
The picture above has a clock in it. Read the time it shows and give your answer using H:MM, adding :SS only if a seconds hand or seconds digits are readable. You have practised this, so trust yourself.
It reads 8:58:23
